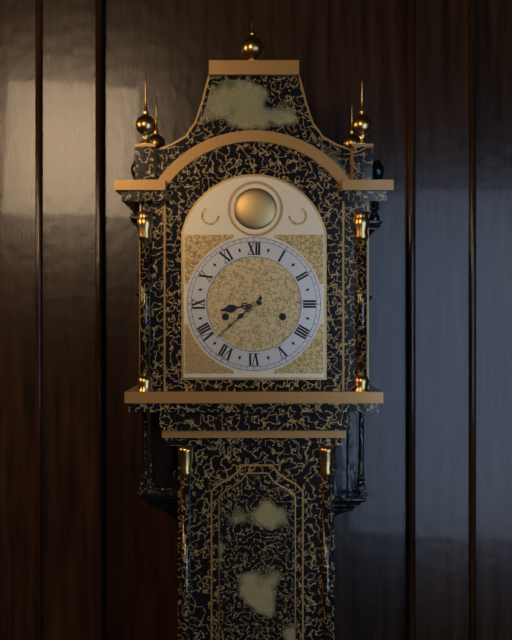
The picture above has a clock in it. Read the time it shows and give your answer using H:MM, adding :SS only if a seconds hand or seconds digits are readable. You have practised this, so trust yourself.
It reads 8:38
